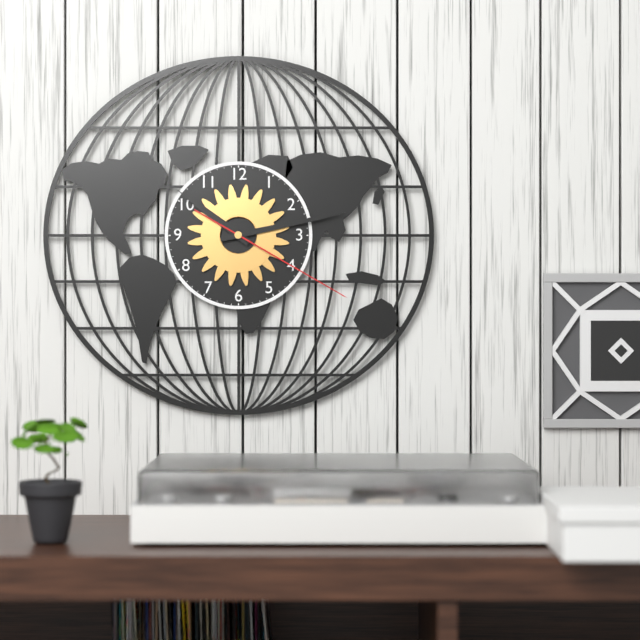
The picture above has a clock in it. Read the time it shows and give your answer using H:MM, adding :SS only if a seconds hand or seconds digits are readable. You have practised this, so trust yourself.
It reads 10:13:20
